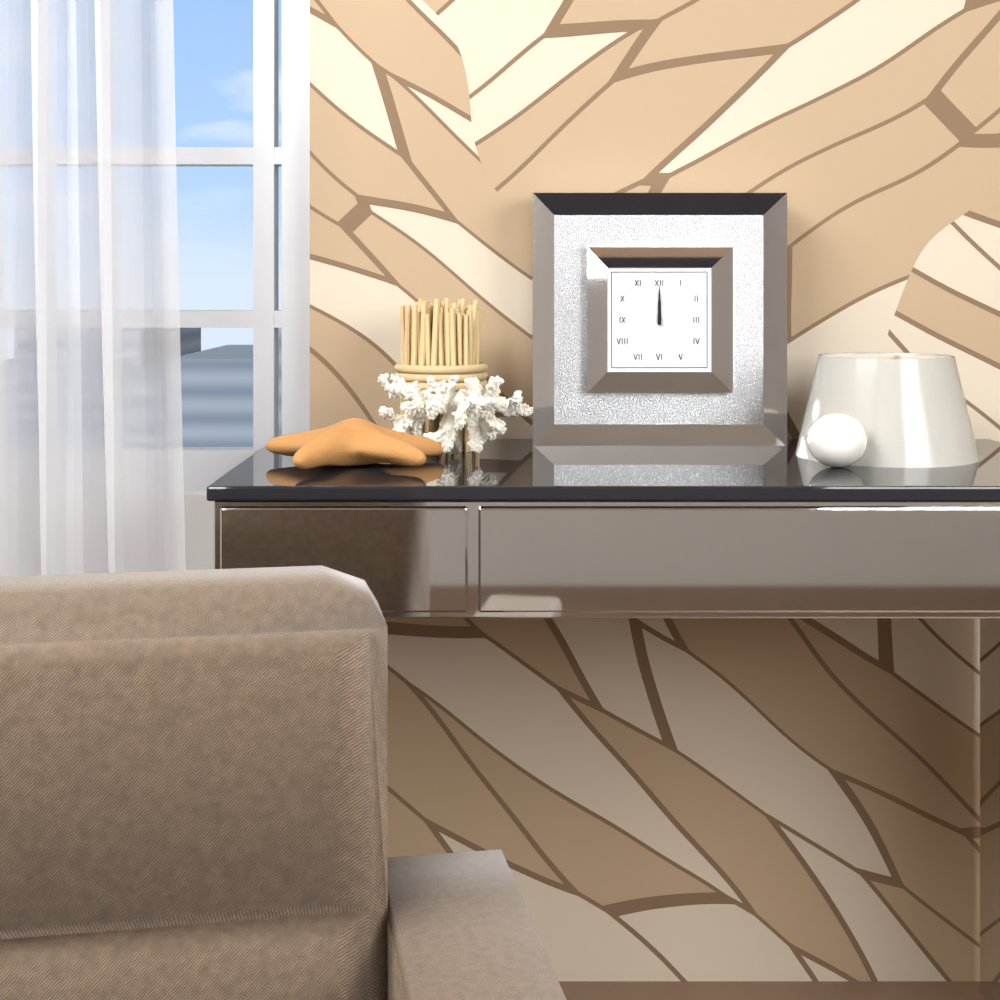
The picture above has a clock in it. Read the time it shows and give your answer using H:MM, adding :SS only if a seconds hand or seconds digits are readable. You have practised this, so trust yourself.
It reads 12:00
